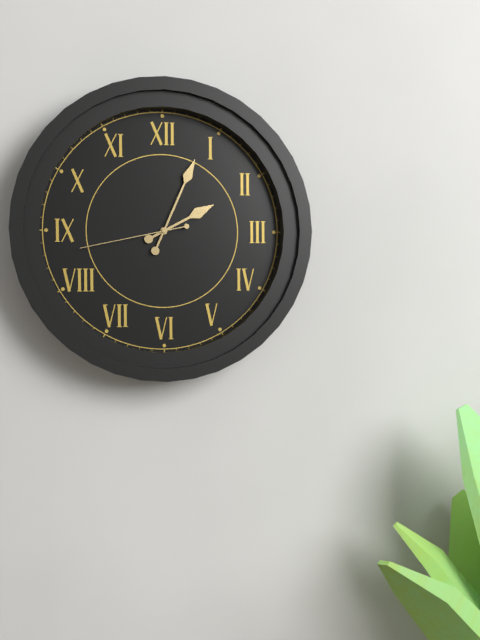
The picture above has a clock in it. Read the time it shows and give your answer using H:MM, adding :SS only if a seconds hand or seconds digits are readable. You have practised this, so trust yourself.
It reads 2:04:43
